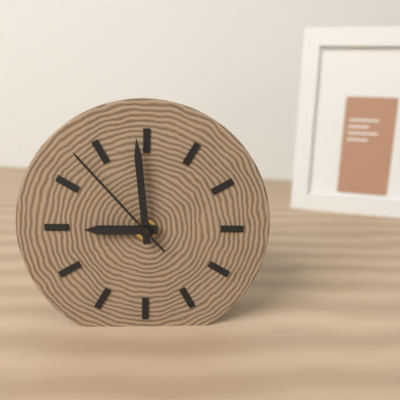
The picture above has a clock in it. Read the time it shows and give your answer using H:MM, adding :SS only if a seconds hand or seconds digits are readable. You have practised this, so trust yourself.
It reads 8:59:53
